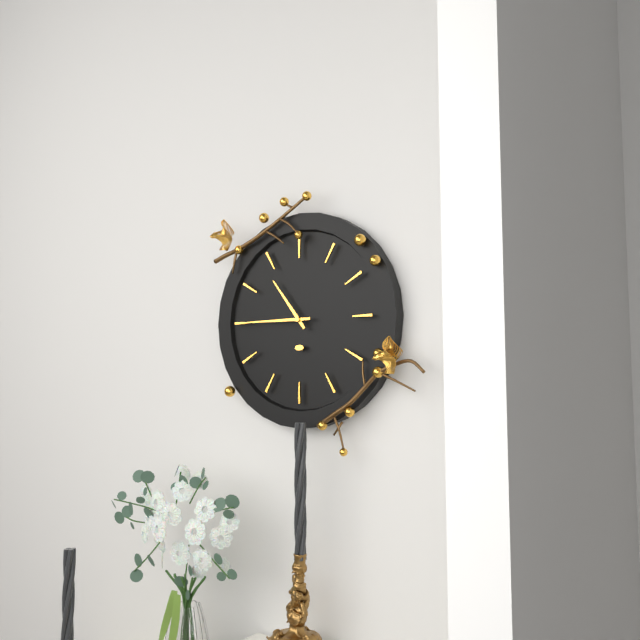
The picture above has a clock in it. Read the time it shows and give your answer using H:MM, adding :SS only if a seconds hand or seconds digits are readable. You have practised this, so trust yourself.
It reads 10:45
